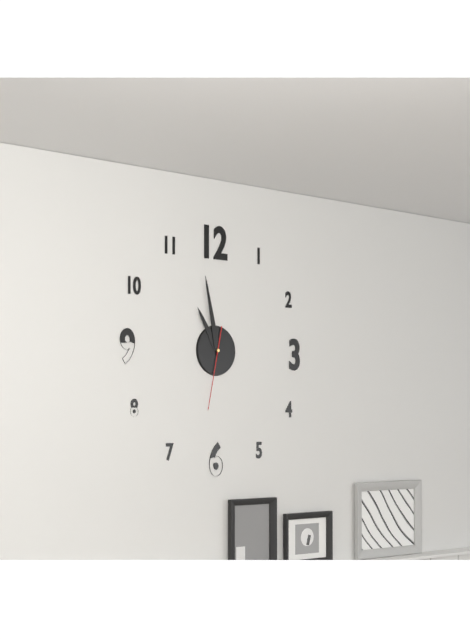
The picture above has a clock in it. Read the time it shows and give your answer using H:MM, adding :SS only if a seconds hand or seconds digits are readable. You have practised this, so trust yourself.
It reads 10:58:32
